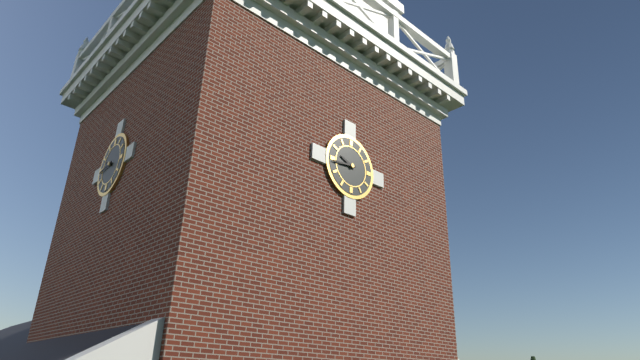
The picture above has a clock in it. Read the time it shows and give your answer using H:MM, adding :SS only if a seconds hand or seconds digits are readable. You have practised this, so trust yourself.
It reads 9:44
